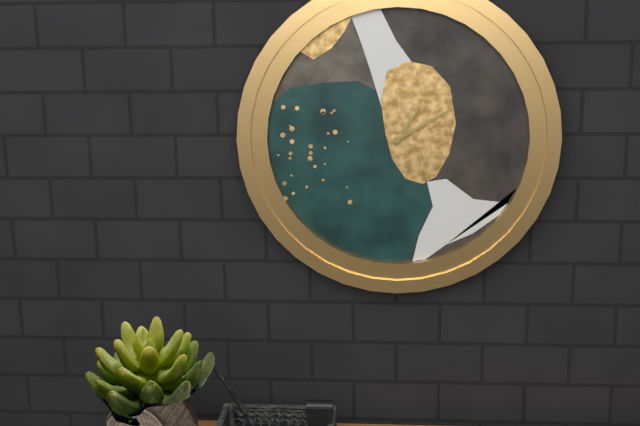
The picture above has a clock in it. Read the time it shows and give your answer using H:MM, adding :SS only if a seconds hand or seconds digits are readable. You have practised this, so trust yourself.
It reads 1:10
